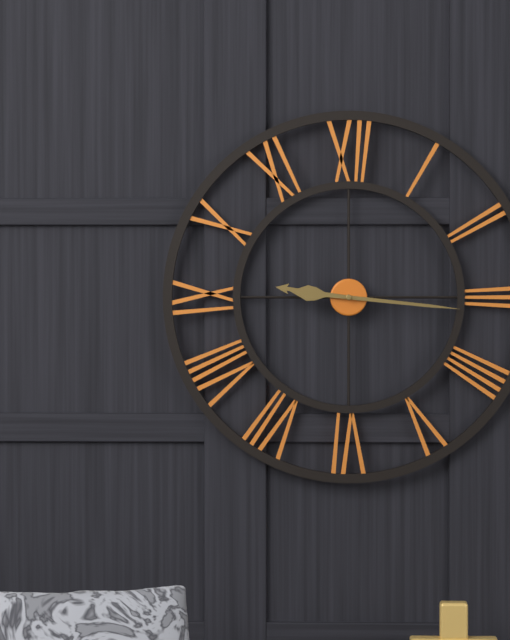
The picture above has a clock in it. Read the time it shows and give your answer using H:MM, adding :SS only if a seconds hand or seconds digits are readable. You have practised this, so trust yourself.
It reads 9:16
